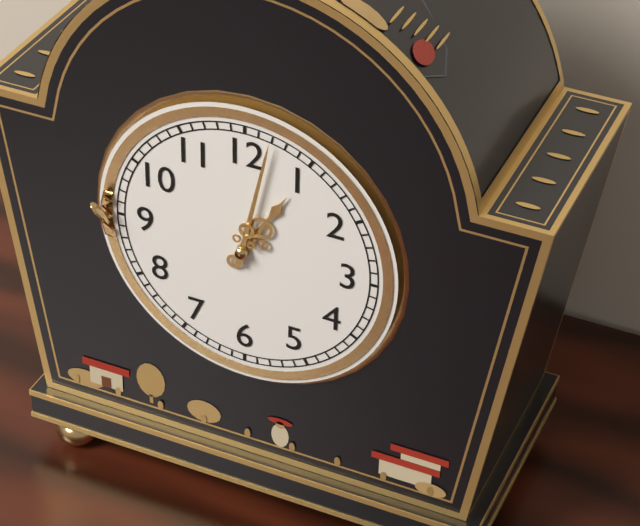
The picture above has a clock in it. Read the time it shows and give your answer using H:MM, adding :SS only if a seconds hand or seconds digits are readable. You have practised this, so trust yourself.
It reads 1:02
